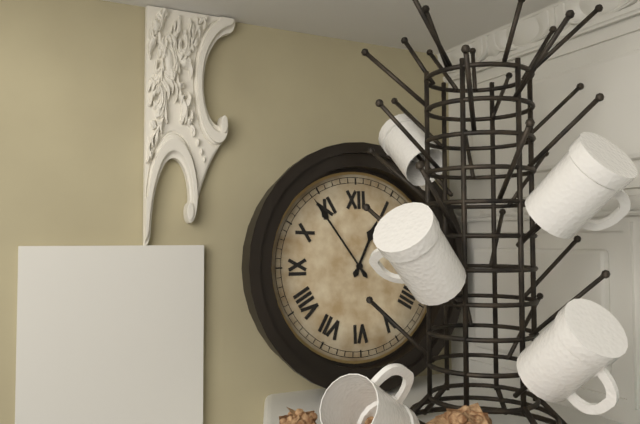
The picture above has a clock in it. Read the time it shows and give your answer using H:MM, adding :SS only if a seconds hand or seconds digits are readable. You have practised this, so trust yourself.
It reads 12:54
